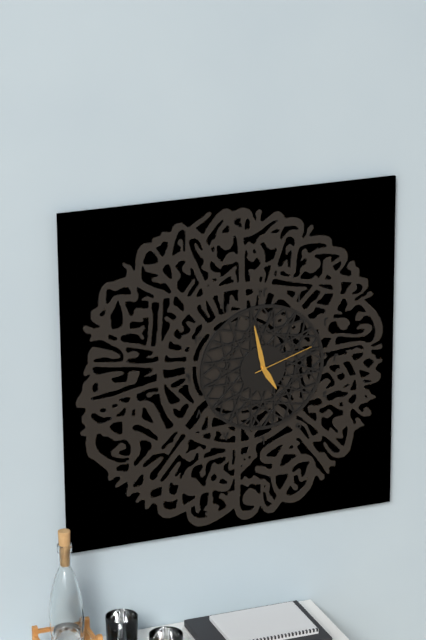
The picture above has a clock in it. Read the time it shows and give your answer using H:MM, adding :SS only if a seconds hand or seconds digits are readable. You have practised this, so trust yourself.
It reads 4:58:12
